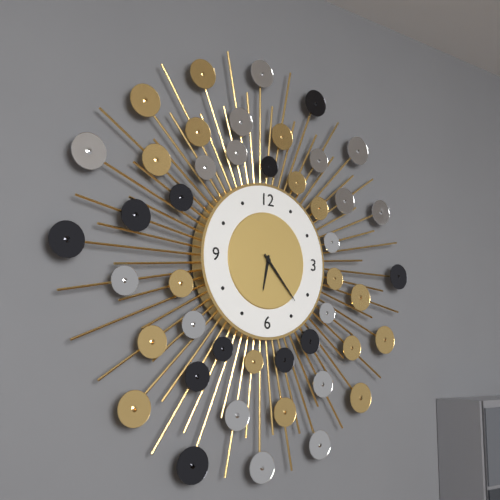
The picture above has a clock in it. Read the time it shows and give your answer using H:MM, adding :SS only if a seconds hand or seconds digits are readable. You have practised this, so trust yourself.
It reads 6:23
